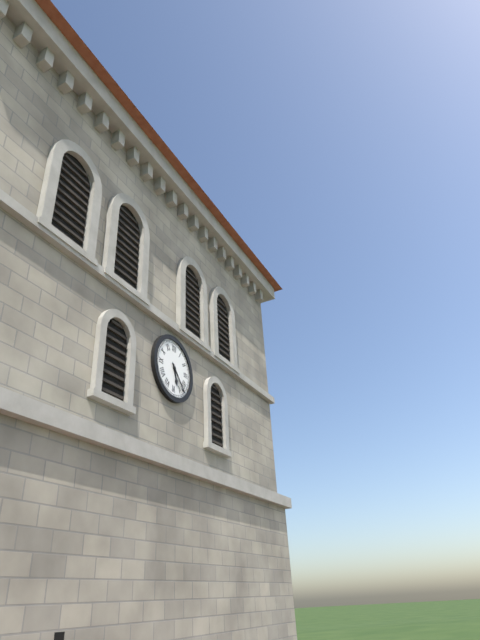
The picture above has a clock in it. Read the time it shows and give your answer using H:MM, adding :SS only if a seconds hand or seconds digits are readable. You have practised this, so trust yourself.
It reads 5:23
